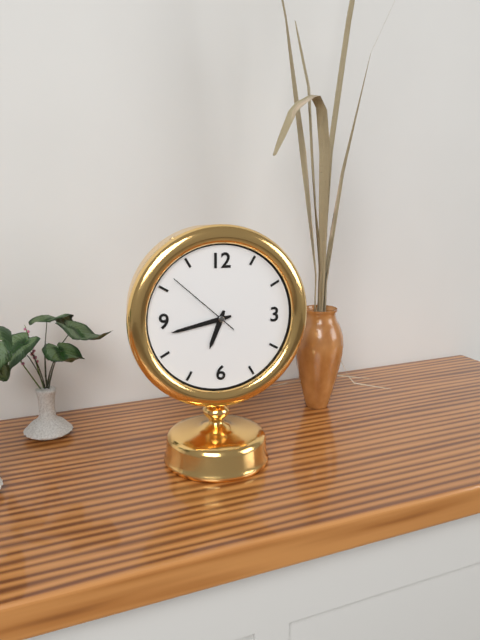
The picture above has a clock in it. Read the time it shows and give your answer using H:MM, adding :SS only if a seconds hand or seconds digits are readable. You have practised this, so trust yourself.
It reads 6:43:52
